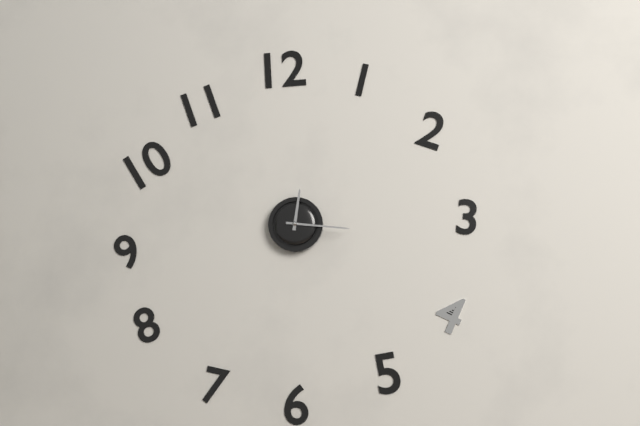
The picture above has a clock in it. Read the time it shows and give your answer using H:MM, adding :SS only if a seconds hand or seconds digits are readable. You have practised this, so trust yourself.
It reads 12:16
